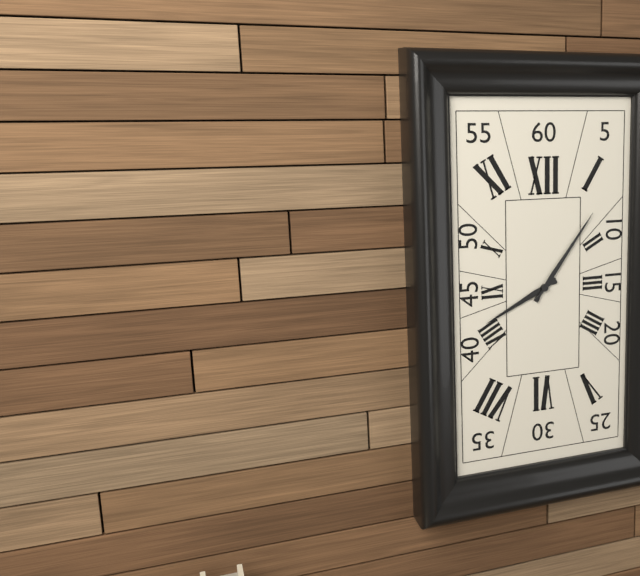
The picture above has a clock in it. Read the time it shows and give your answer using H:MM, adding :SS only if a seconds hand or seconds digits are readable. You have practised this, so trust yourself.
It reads 8:06
